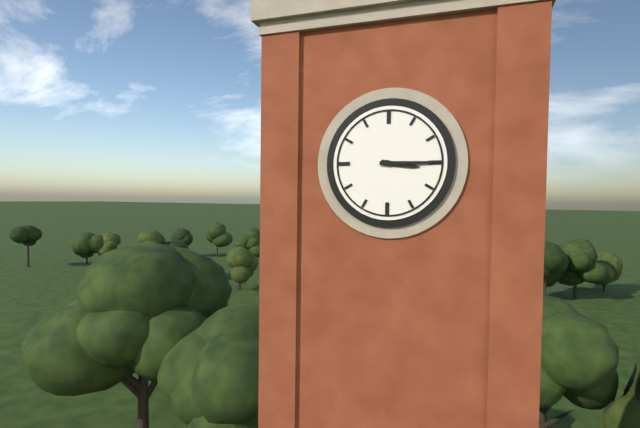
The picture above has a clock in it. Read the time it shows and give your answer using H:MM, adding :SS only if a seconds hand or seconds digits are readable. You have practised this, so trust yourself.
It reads 3:15
